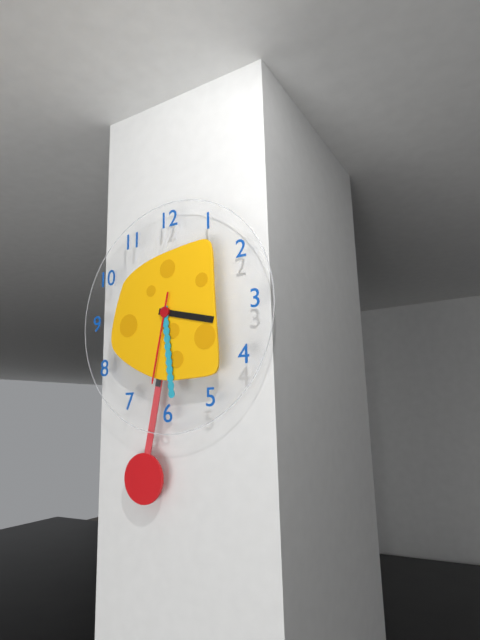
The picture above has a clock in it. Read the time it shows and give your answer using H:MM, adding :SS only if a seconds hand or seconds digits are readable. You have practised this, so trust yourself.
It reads 3:29:32
